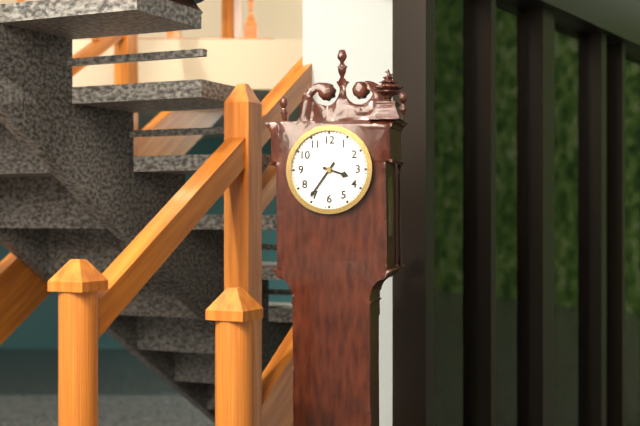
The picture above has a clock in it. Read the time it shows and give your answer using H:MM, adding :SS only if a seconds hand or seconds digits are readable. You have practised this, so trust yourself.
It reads 3:36
